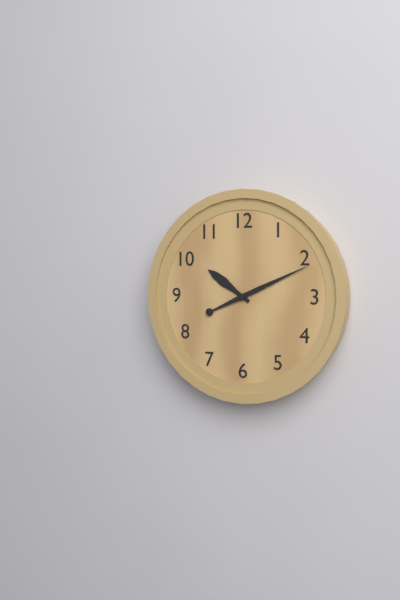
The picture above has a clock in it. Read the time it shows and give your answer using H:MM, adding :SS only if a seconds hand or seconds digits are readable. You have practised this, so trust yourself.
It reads 10:11
